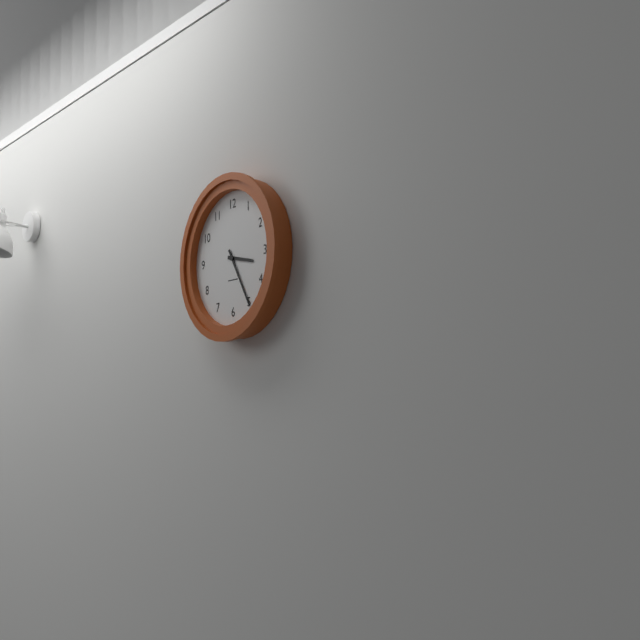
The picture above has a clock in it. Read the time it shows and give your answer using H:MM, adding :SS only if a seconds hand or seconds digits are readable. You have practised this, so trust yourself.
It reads 3:25
